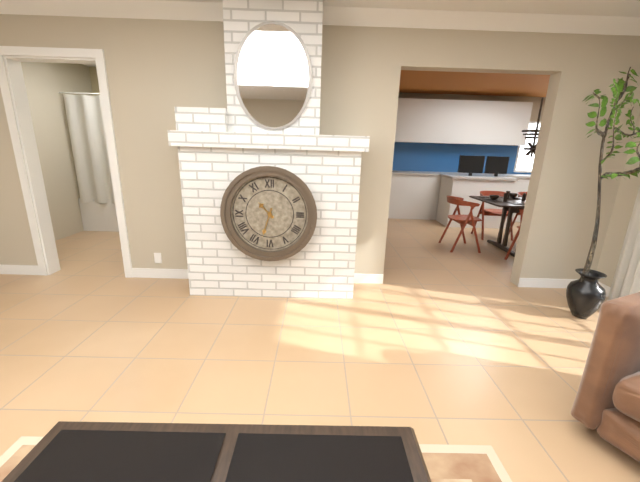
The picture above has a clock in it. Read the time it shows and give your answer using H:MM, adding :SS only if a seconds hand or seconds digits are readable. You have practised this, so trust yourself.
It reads 10:33
